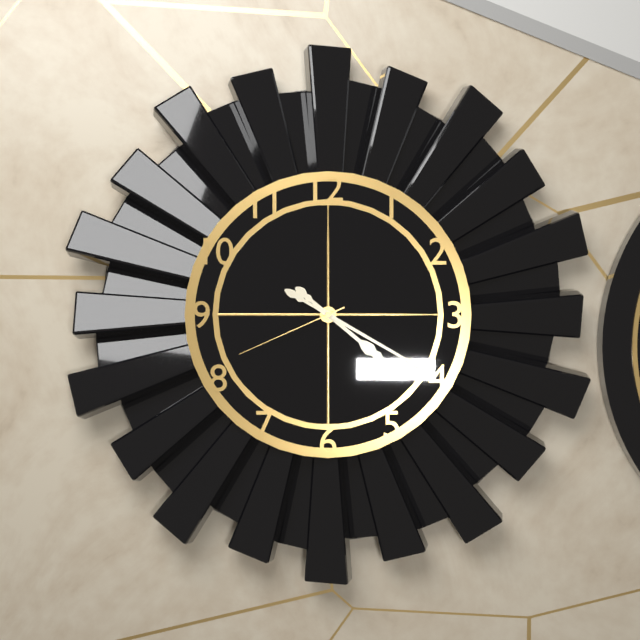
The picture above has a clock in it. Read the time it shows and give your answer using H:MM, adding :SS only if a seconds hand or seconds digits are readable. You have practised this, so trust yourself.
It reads 4:20:41
